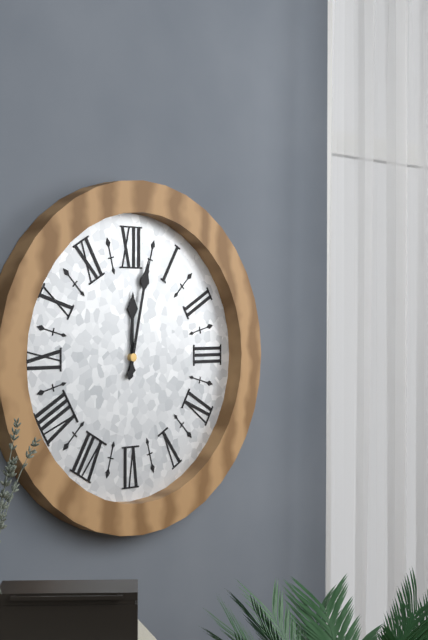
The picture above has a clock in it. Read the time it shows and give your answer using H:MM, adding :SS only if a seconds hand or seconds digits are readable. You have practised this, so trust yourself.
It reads 12:02
